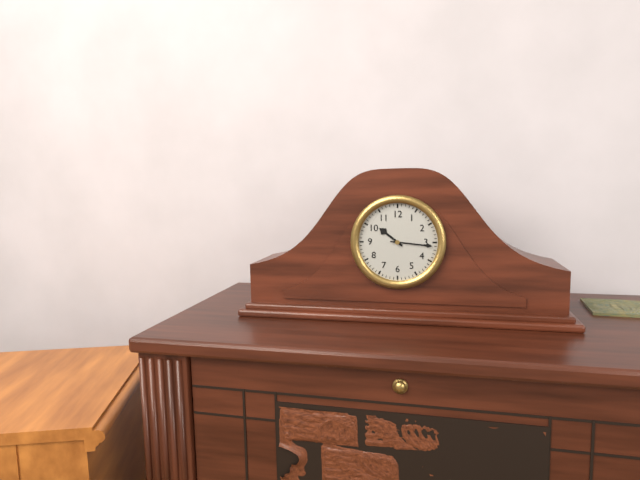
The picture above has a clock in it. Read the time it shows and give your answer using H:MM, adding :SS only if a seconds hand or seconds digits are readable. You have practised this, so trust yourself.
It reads 10:16
